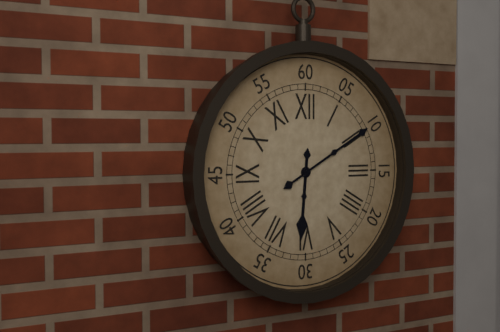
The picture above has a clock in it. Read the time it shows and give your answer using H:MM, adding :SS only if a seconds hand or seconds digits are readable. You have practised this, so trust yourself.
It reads 6:10
